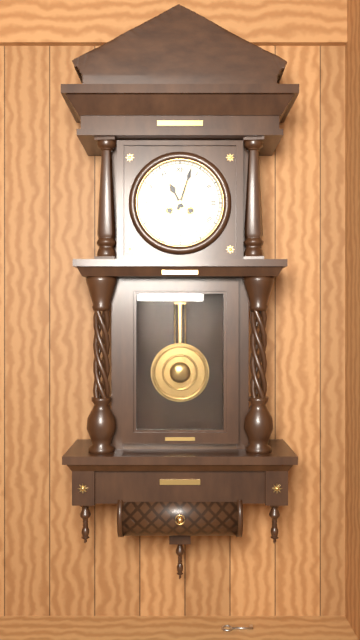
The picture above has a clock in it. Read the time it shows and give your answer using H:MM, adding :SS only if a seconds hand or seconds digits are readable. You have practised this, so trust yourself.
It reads 11:03
